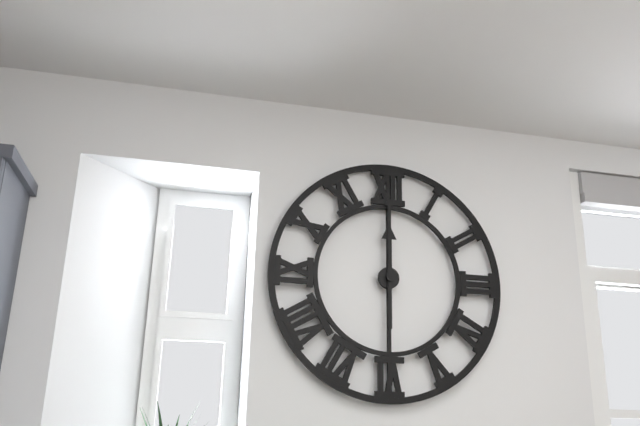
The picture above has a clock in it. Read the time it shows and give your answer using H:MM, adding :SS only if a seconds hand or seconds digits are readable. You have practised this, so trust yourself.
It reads 12:00
